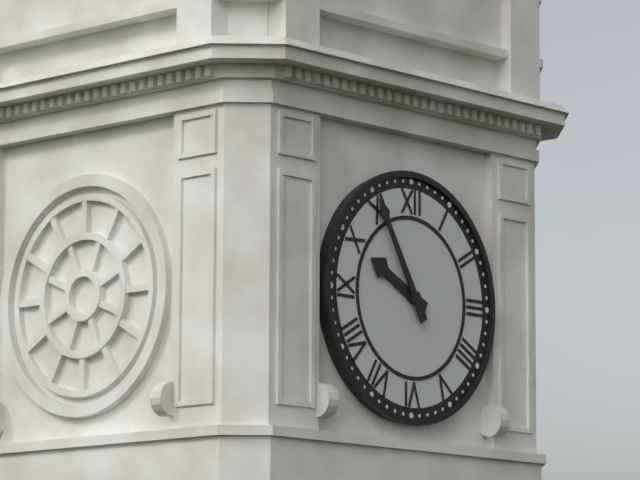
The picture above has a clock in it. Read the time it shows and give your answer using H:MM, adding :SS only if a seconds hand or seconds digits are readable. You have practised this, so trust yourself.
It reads 9:55
